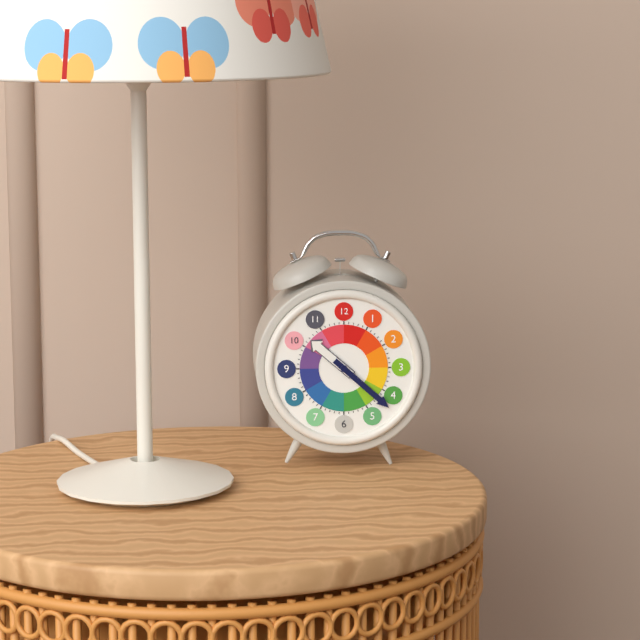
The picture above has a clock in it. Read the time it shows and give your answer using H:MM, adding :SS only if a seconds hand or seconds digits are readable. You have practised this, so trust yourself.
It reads 10:22
